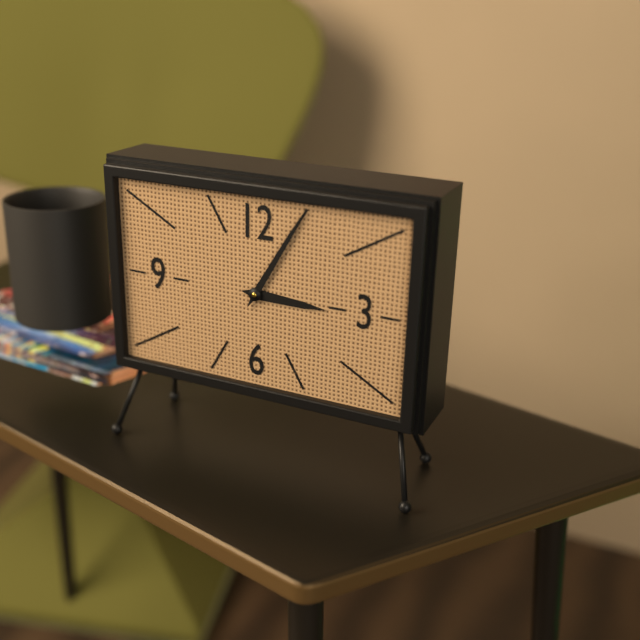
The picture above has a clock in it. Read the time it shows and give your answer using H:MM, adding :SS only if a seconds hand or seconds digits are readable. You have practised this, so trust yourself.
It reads 3:05
